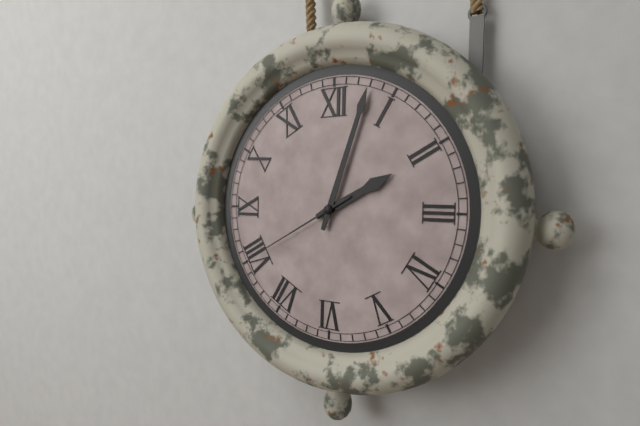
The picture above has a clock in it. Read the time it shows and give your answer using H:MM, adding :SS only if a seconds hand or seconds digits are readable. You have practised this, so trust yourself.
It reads 2:03:40
